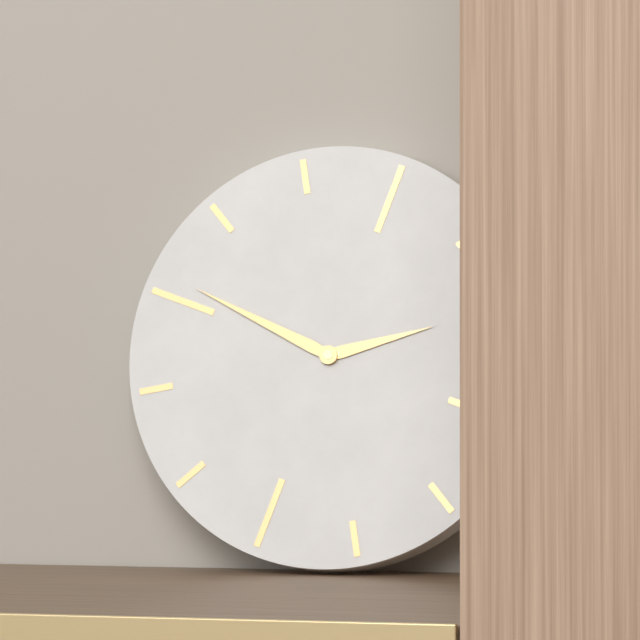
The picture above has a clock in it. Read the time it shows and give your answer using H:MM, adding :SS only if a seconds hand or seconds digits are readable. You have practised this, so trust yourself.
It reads 2:51
